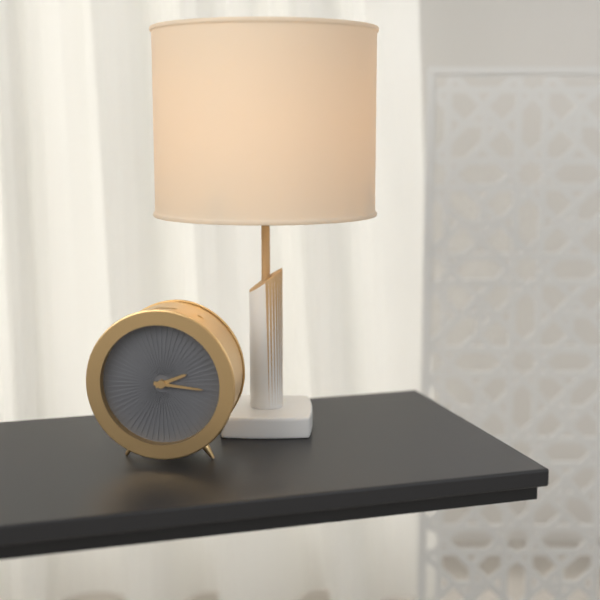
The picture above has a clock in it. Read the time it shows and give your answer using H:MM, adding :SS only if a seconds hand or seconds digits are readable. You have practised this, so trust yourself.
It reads 2:16
